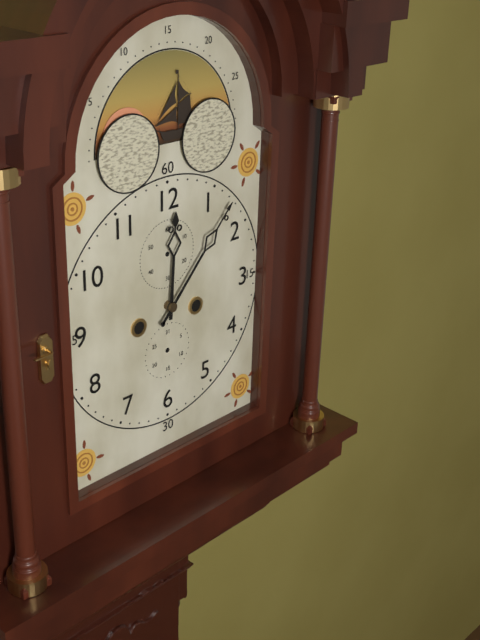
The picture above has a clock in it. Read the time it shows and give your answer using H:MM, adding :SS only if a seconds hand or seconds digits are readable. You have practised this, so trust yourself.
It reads 12:07
